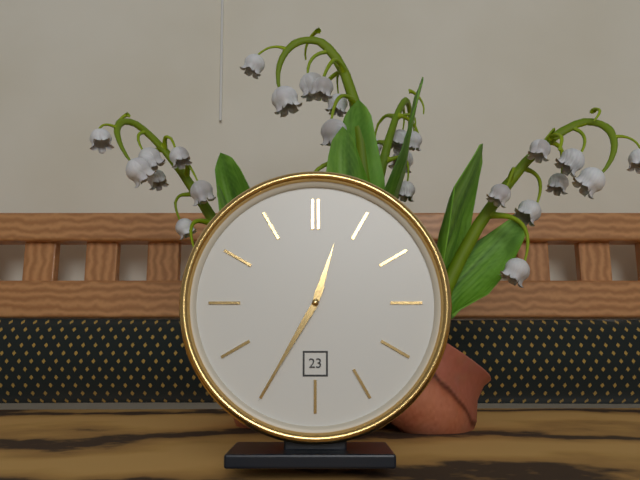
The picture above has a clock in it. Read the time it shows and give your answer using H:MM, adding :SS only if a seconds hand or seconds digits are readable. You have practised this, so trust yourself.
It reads 12:35
